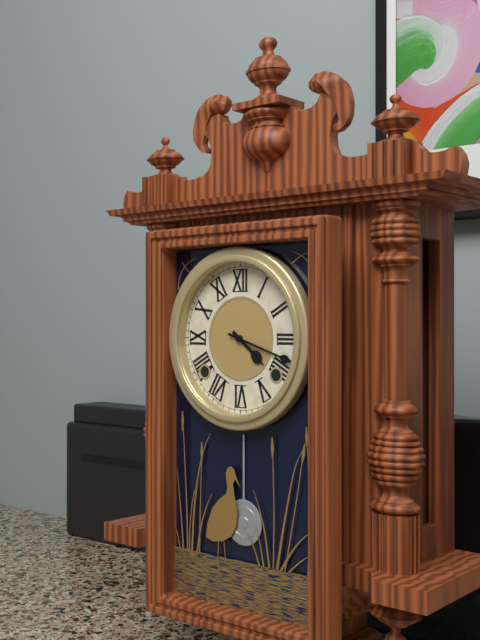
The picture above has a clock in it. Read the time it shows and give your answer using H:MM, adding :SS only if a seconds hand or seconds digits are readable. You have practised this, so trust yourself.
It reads 4:18
